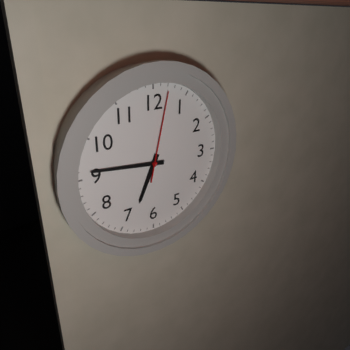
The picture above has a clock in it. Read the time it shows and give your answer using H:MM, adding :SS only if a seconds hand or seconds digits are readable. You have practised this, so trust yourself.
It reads 6:46:02
